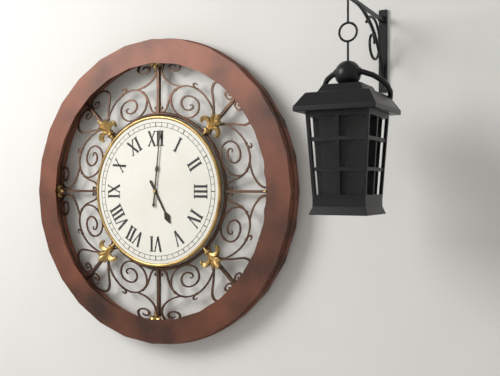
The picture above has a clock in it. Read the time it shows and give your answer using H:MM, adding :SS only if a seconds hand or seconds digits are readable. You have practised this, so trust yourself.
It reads 5:01
